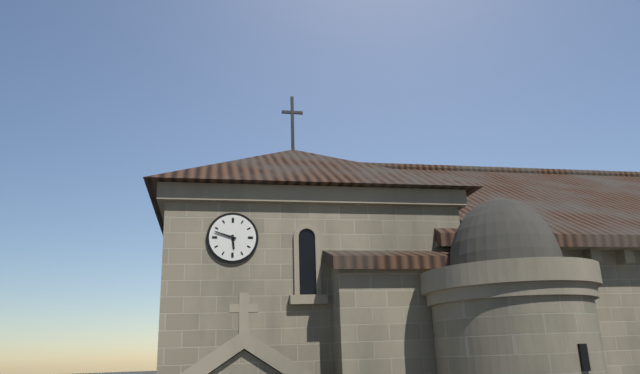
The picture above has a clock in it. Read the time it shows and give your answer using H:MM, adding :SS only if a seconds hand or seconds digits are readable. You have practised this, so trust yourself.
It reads 5:48
